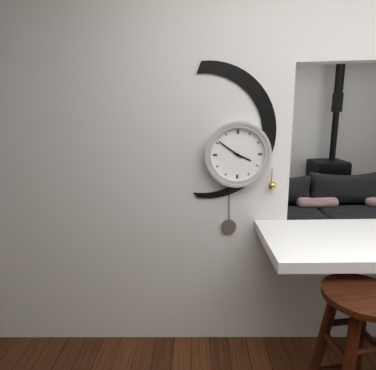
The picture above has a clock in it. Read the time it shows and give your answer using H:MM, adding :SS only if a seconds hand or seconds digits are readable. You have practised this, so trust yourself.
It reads 3:51
